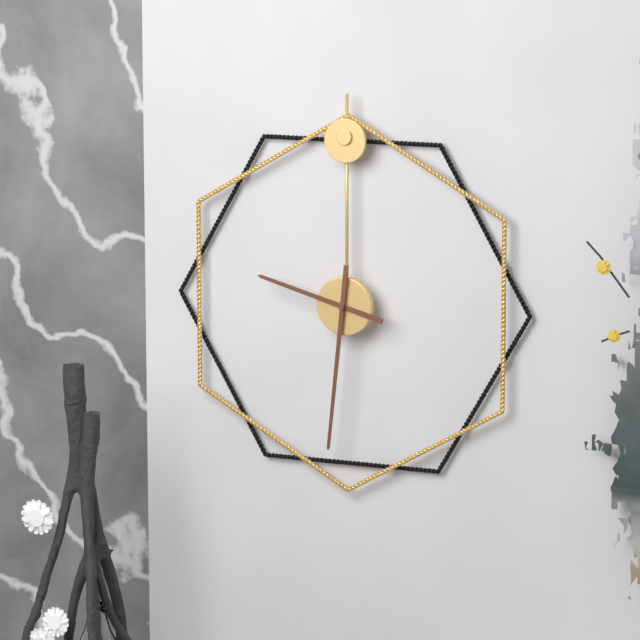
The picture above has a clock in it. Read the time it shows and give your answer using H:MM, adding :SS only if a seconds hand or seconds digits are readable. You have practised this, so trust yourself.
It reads 9:31
